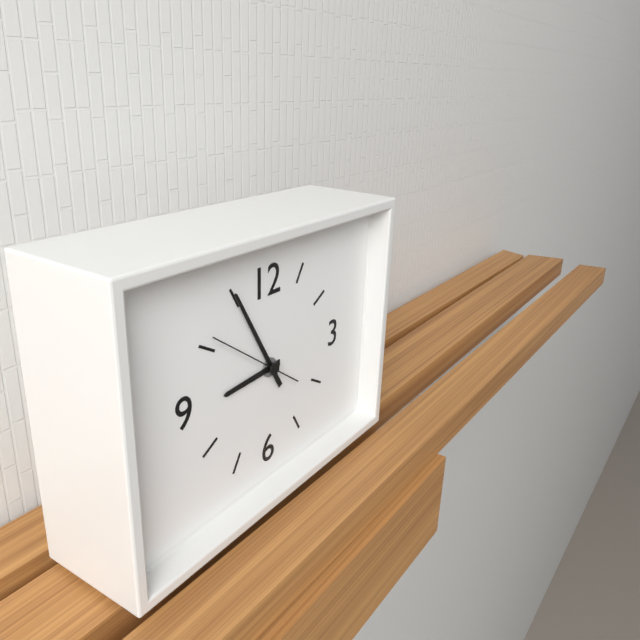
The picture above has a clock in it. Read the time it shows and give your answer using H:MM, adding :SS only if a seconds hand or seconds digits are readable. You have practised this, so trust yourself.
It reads 8:55:51
